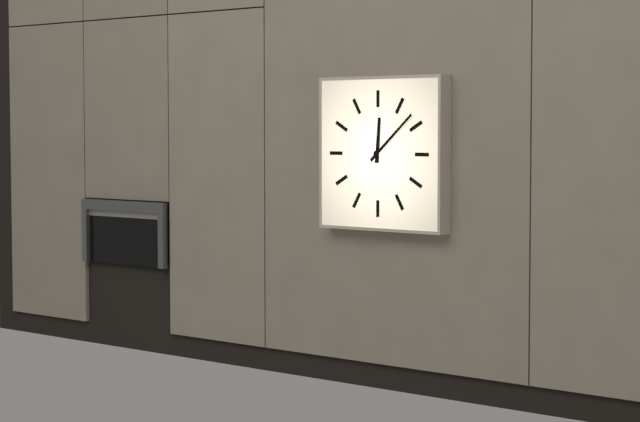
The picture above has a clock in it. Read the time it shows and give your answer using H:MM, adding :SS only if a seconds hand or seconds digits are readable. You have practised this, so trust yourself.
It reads 12:08
